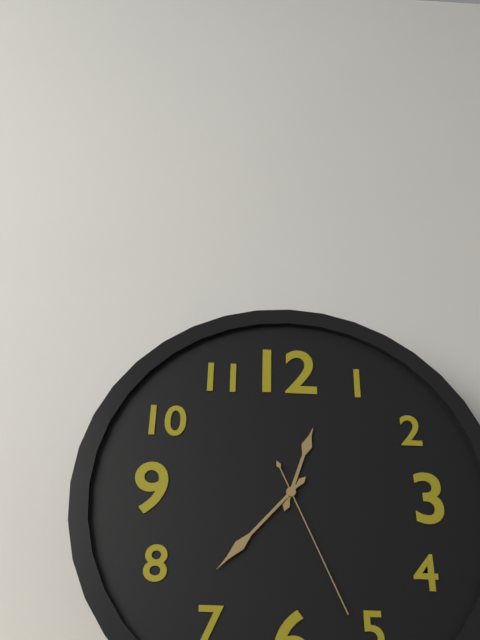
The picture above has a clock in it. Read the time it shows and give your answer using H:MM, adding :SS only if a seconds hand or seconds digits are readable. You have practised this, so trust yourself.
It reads 12:37:26
